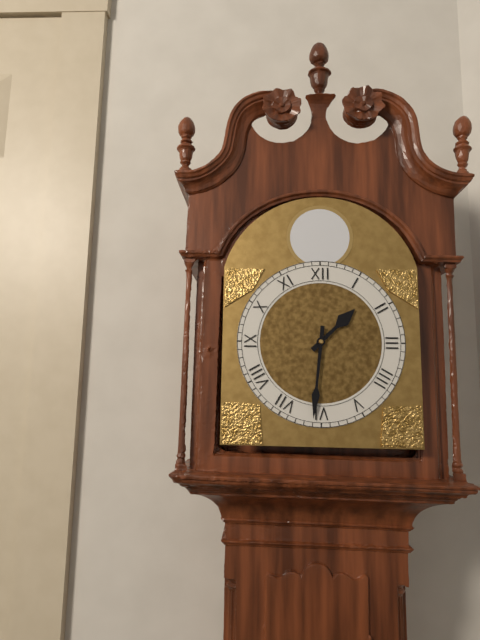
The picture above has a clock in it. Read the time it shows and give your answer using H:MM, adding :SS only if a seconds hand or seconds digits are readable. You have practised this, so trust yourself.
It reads 1:31
